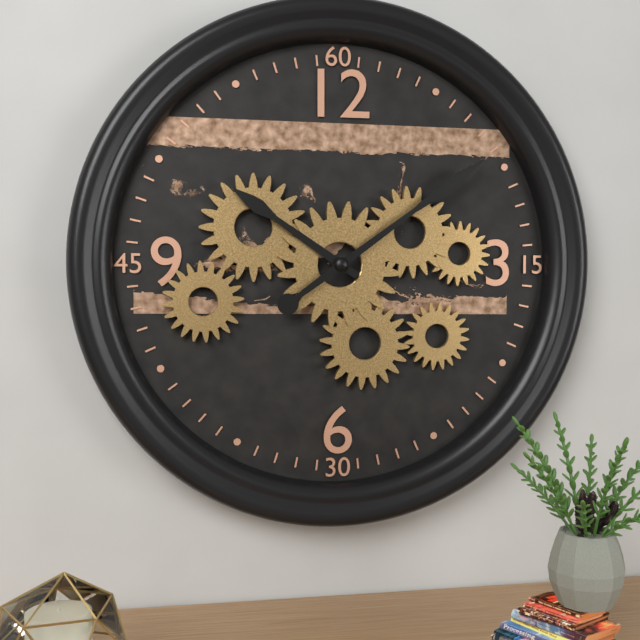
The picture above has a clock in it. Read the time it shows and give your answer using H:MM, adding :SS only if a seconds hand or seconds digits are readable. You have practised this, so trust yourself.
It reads 10:09
